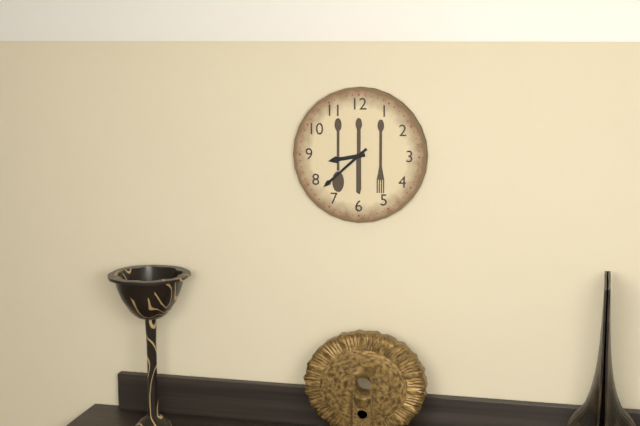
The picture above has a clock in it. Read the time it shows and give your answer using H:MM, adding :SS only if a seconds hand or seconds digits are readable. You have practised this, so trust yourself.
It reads 8:38
